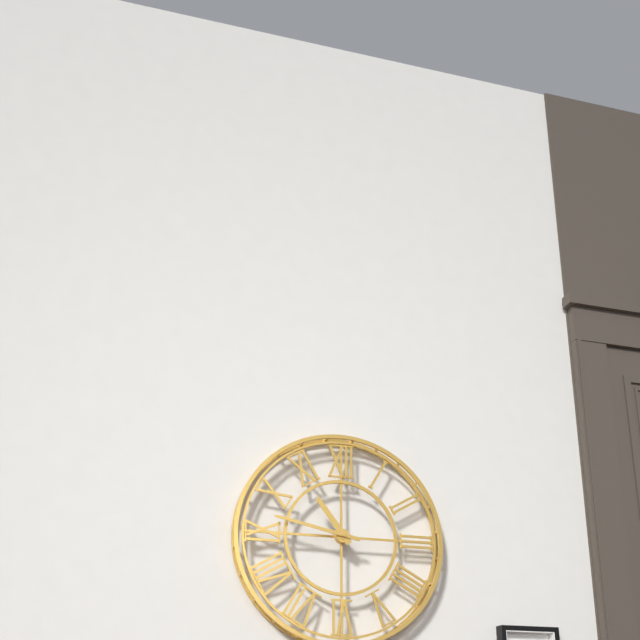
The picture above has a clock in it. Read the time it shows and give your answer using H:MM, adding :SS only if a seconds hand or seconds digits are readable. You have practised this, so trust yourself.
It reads 10:47
